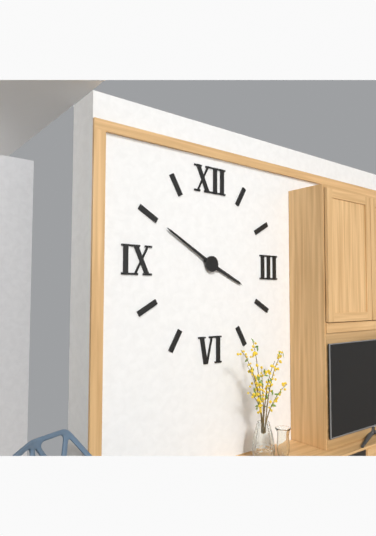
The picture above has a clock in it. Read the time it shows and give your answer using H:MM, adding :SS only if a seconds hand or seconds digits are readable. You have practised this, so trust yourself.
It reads 3:50
